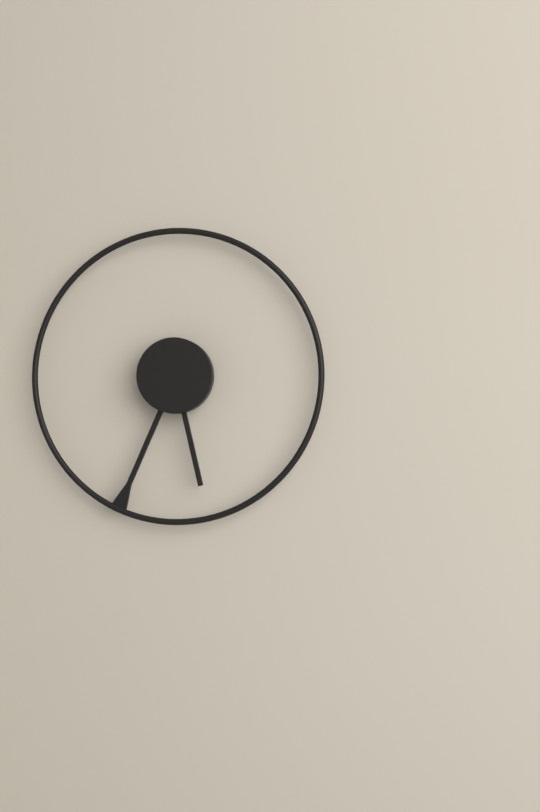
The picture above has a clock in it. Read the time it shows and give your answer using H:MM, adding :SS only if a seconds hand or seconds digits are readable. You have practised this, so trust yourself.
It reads 5:34
